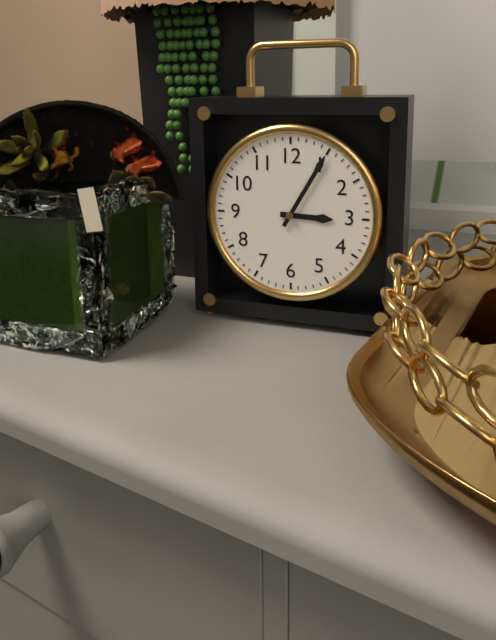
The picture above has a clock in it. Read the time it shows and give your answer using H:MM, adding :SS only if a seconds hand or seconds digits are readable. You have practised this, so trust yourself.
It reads 3:05
